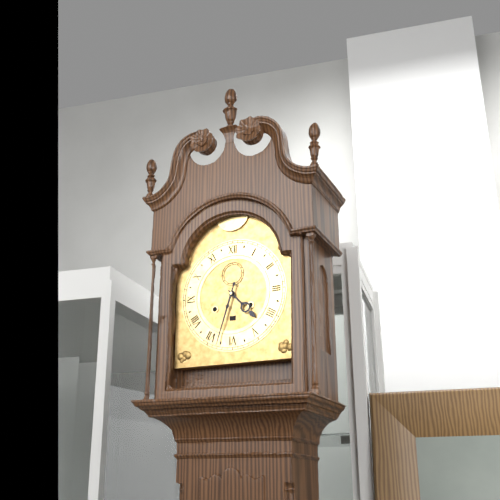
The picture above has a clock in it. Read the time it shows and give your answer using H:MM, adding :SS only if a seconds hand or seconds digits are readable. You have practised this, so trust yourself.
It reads 4:33
